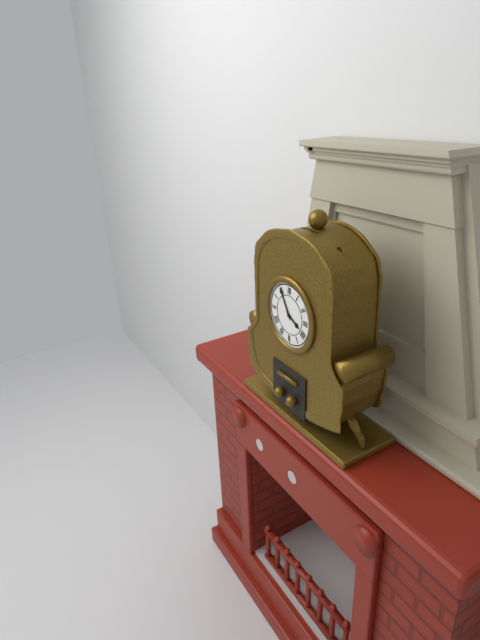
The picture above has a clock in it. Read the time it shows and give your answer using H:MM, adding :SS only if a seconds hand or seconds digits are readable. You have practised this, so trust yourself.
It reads 3:55
